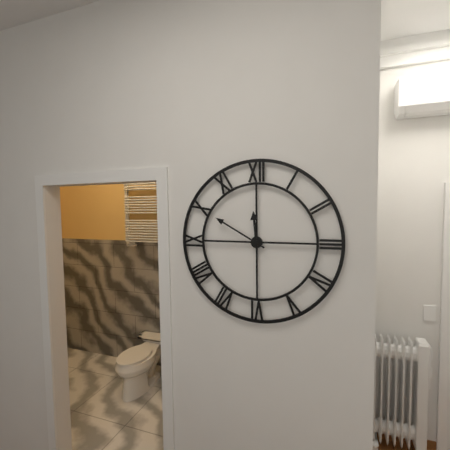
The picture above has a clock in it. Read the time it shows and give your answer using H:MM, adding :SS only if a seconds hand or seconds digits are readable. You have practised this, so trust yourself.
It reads 11:50
